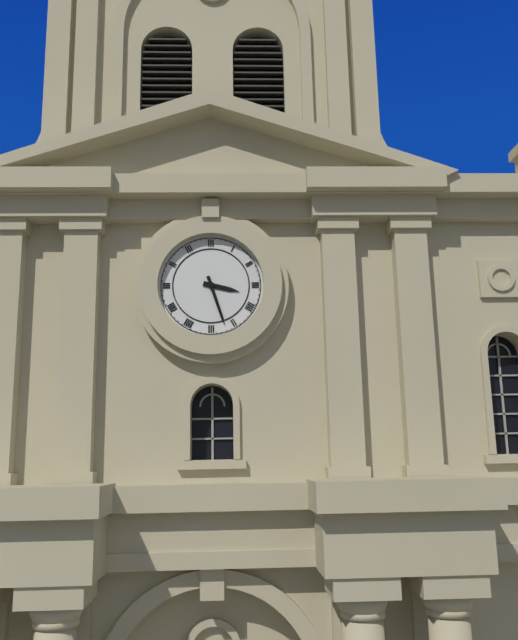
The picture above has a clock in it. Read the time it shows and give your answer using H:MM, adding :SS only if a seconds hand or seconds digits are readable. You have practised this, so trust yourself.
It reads 3:27
